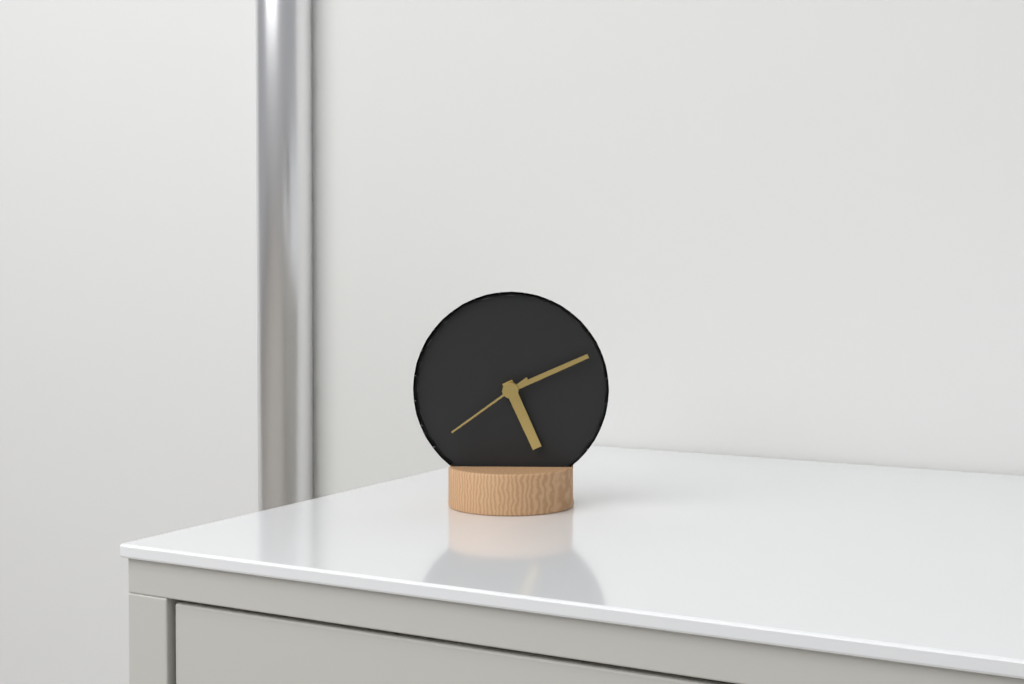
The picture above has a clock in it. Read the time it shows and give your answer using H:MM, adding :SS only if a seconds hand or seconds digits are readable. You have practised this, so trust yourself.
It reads 5:11:39
